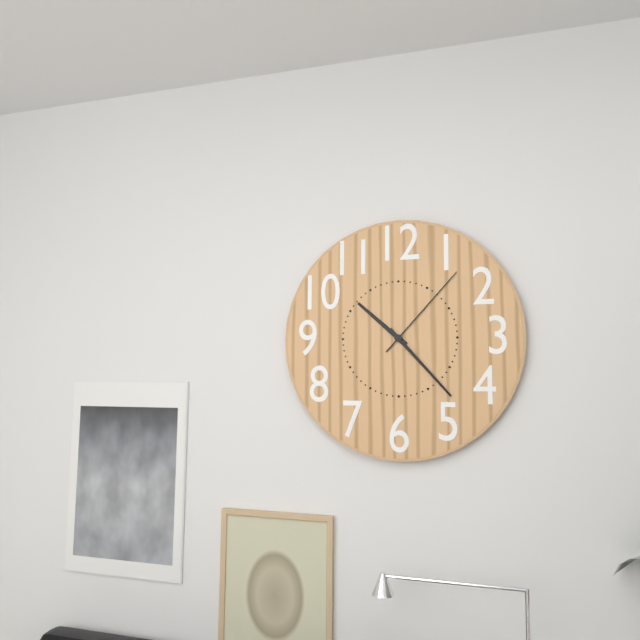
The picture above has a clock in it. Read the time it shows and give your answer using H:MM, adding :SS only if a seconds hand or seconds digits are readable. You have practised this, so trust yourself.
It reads 10:23:07
